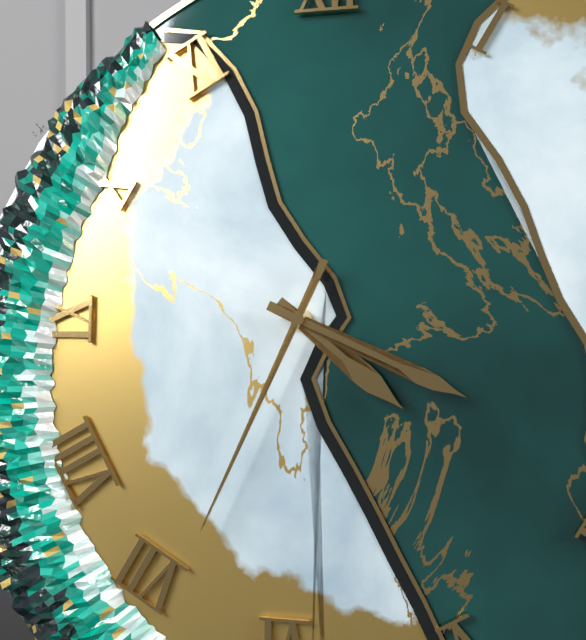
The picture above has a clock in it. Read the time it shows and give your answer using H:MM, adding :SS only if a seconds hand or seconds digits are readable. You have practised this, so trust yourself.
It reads 4:19:34
